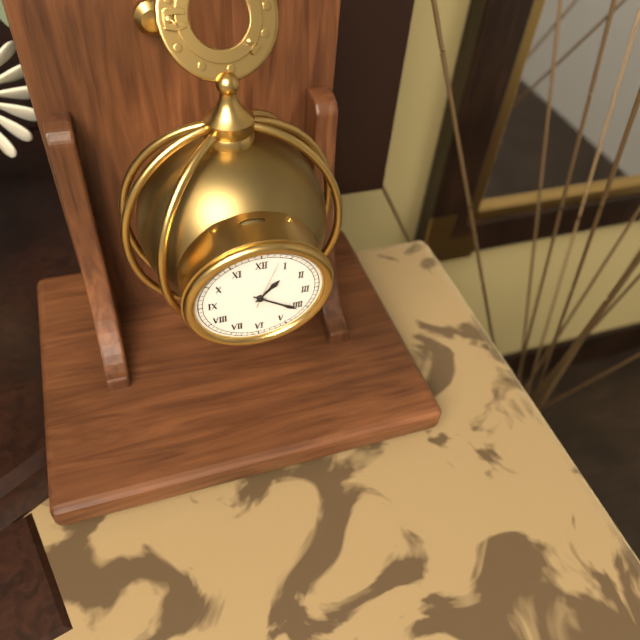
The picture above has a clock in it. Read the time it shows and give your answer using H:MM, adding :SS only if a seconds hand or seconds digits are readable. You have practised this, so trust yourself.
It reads 1:21
